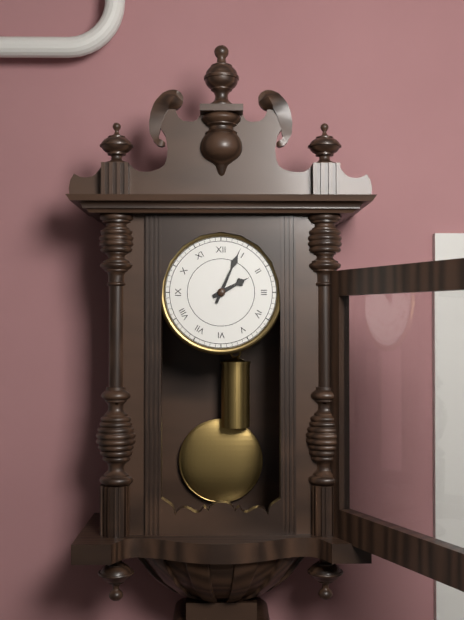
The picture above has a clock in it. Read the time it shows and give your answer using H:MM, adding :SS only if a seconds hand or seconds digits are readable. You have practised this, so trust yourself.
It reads 2:04
